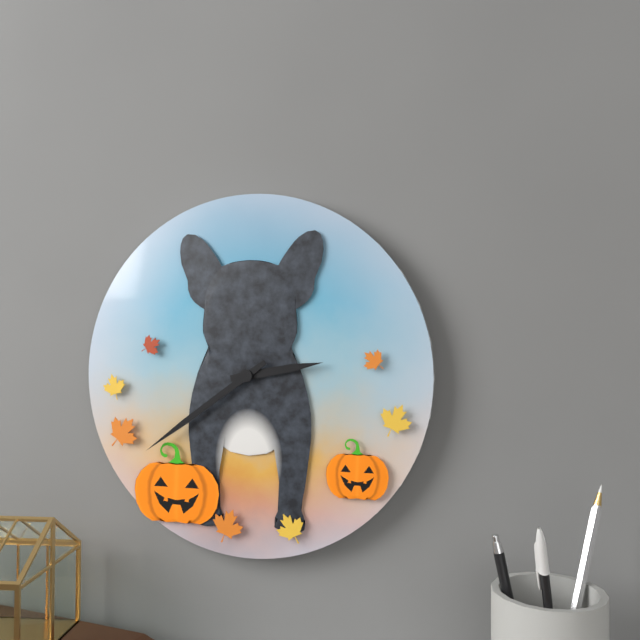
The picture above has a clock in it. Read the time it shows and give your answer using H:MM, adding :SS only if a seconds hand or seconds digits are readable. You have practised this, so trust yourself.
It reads 2:39
